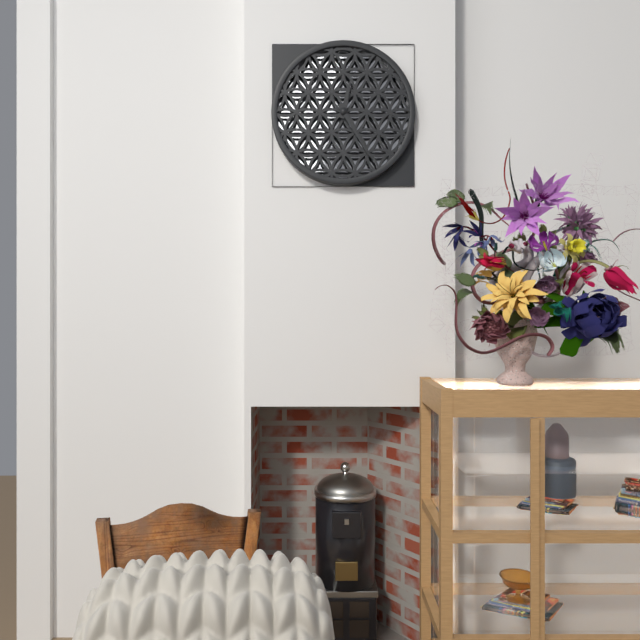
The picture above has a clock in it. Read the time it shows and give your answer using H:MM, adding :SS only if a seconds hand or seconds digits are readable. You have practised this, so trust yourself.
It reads 12:25
